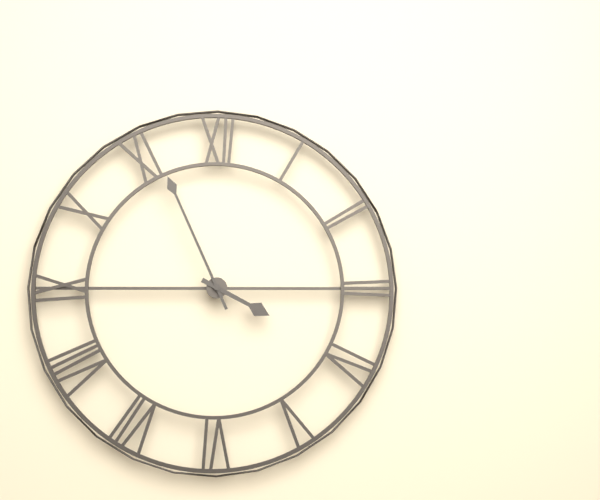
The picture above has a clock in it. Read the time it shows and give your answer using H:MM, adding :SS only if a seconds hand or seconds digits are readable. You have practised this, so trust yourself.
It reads 3:56
